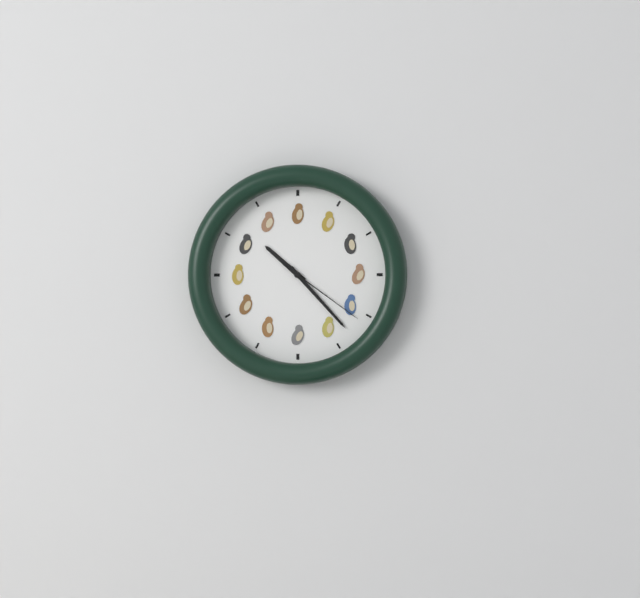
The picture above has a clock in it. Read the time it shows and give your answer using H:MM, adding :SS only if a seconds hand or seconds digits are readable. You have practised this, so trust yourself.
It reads 10:23:21
